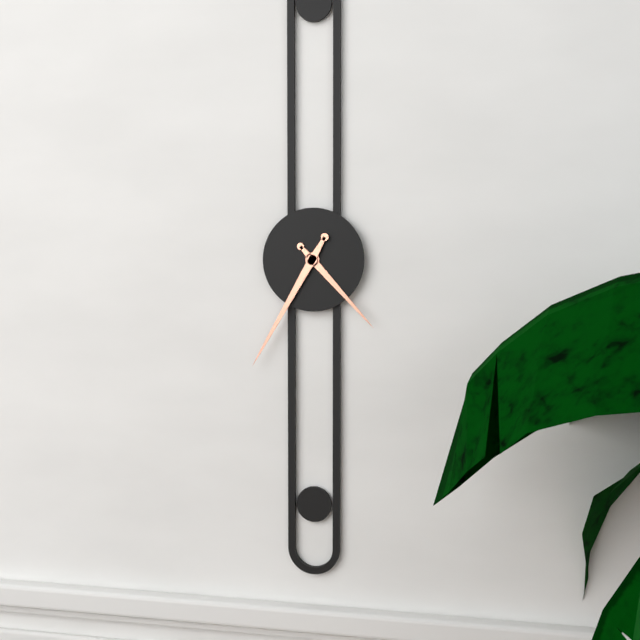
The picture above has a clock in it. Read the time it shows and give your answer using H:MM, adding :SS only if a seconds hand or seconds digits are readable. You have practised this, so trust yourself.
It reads 4:35
